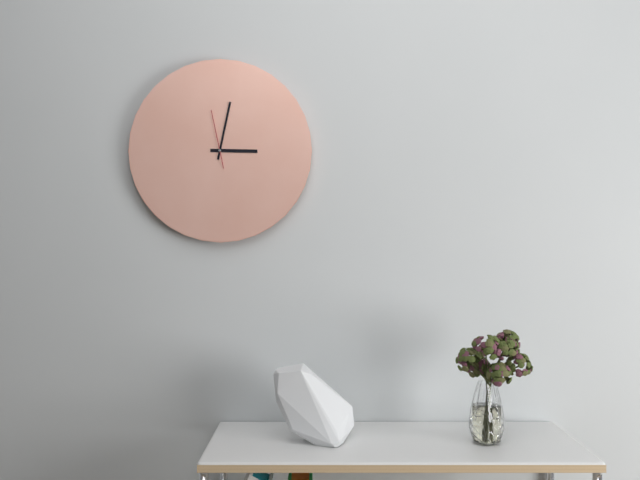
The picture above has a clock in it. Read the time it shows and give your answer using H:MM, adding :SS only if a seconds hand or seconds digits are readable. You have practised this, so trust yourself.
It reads 3:02:58
